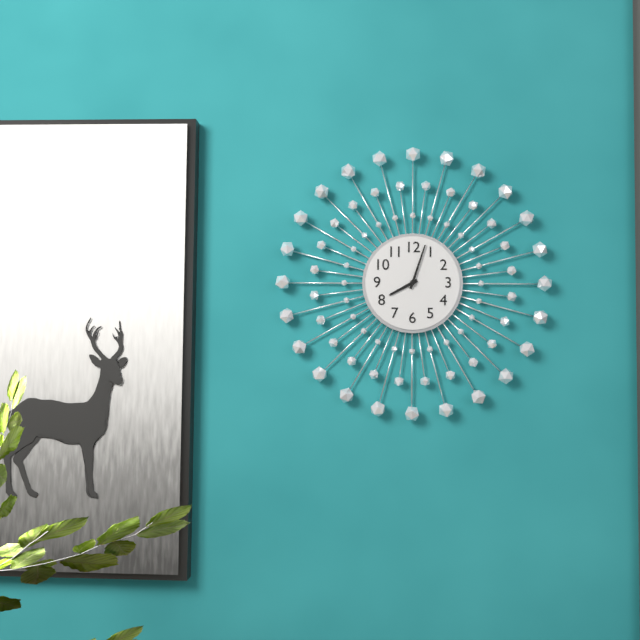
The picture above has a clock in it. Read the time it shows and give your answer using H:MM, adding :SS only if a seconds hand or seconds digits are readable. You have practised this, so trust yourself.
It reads 8:03
